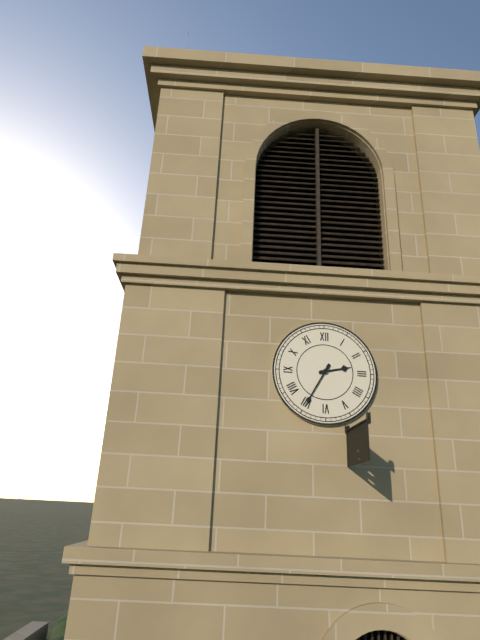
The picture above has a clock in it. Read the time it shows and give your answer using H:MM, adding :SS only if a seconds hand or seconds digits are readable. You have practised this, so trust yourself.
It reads 2:35
